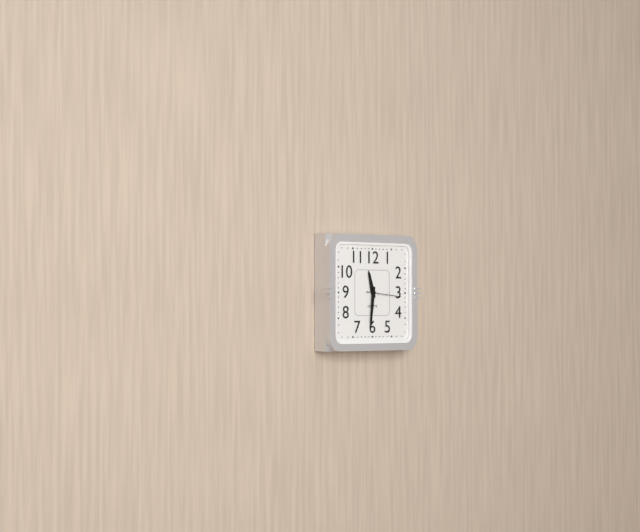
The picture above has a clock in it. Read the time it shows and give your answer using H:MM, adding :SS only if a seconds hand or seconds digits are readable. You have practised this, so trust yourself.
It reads 11:31:16
